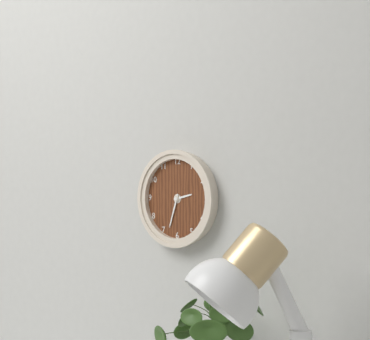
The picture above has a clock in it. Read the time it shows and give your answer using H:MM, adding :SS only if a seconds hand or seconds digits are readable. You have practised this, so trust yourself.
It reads 2:33
